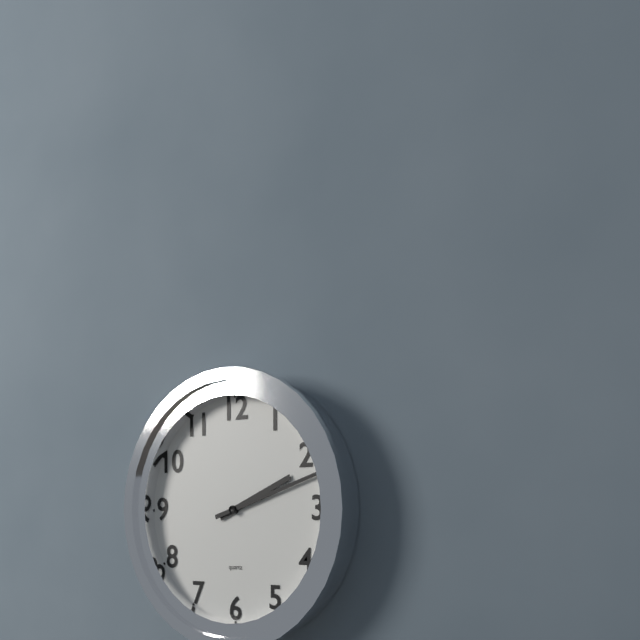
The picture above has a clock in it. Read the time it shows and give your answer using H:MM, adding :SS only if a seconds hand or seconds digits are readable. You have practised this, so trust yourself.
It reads 2:12
